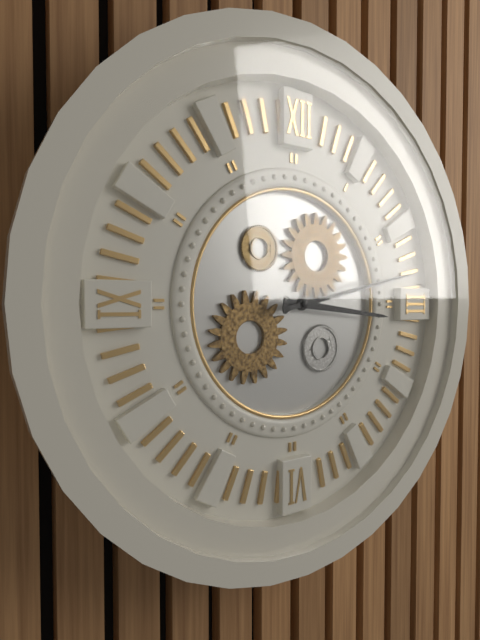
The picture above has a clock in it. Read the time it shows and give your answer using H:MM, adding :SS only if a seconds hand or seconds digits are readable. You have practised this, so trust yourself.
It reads 3:13
